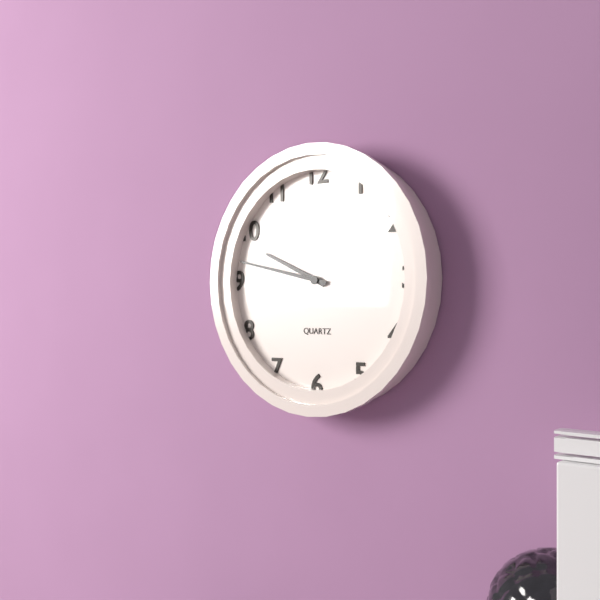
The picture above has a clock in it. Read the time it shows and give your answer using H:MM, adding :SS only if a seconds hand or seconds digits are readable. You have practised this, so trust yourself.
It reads 9:47
